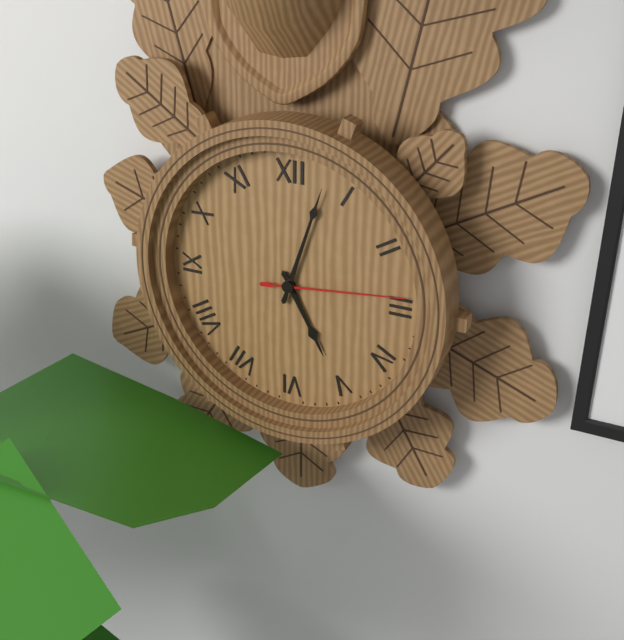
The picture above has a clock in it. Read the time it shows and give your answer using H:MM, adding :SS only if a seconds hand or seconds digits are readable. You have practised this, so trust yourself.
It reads 5:03:14
